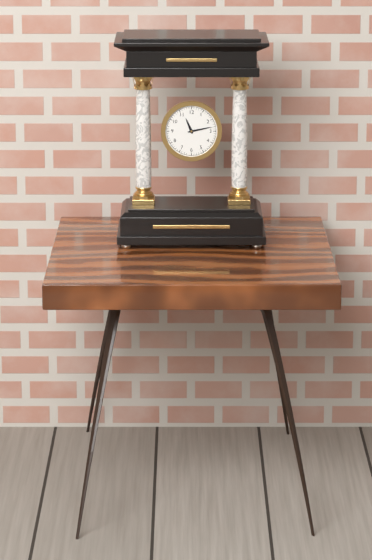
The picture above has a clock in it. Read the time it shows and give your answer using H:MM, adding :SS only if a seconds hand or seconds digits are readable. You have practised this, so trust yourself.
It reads 11:13
